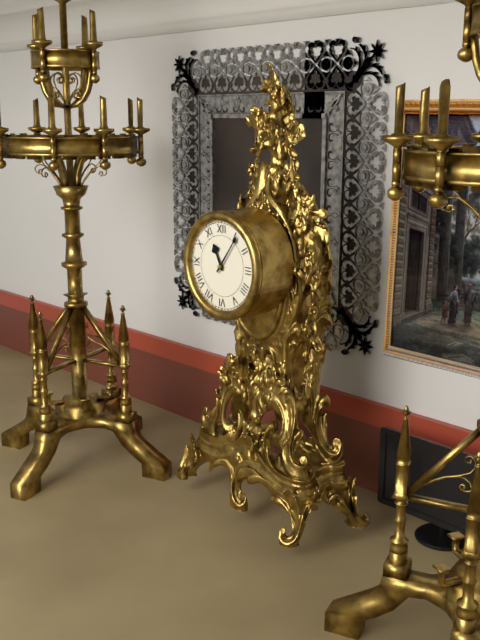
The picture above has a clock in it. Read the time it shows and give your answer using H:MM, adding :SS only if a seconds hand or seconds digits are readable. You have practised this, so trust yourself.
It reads 11:06
